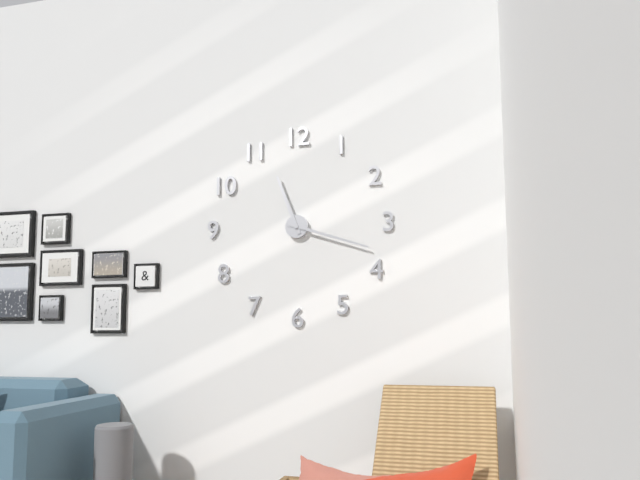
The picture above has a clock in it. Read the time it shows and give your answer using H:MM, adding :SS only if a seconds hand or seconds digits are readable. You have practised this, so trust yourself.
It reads 11:18
